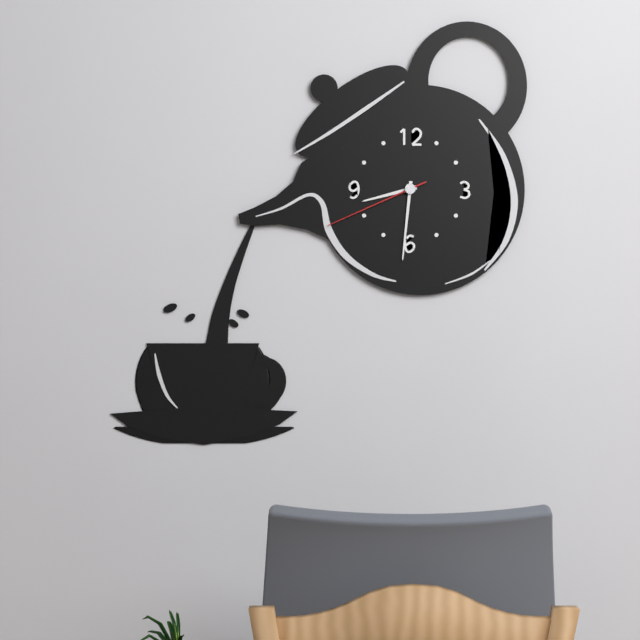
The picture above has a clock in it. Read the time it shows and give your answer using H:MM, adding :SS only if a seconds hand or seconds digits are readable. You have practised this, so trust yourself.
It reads 8:31:41
